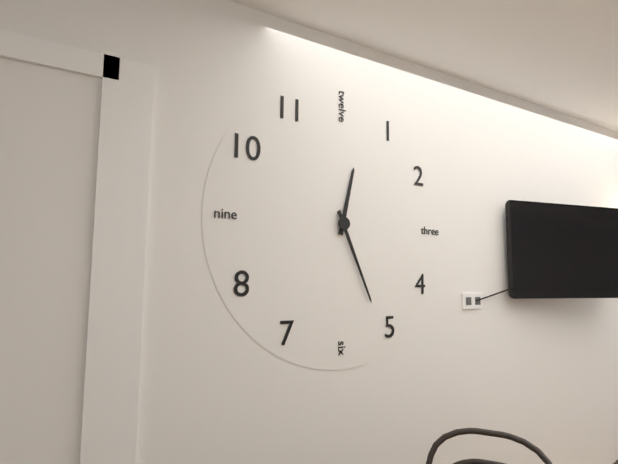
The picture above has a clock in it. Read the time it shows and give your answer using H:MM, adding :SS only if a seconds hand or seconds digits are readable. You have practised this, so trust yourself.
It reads 12:26
